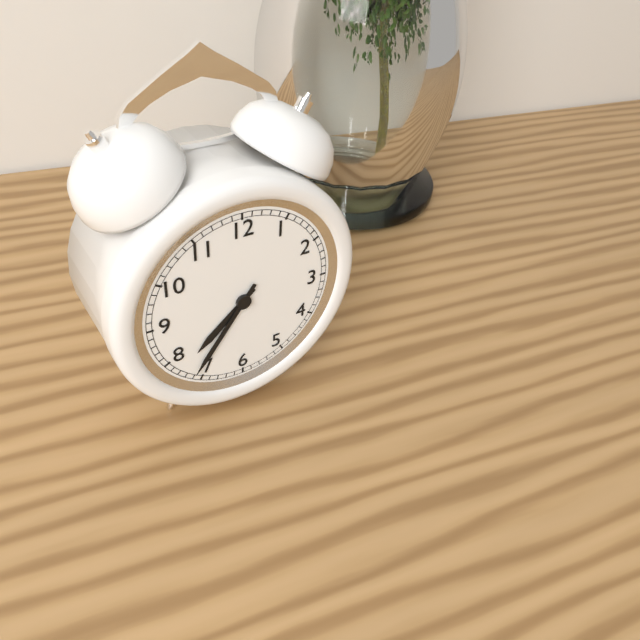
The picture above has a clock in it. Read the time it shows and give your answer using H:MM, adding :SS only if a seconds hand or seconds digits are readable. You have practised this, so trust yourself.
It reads 7:36
